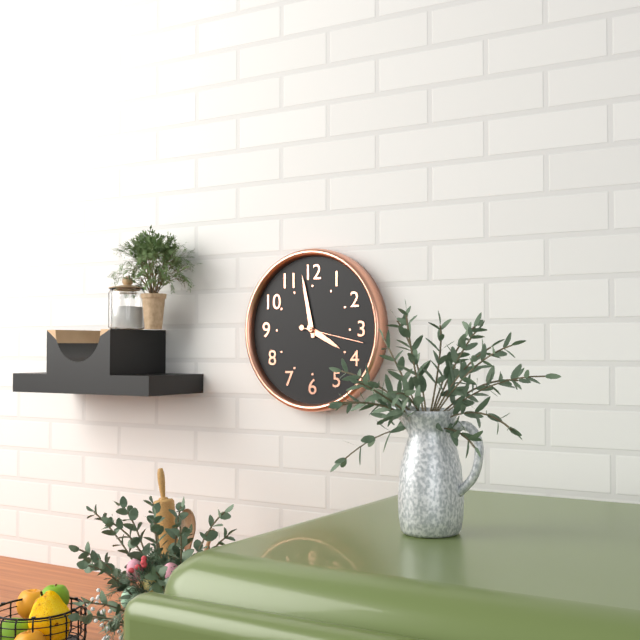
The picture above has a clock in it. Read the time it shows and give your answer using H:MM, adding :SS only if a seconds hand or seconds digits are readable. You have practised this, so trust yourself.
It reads 3:58:17
